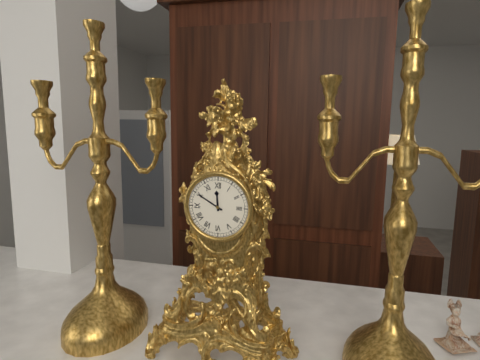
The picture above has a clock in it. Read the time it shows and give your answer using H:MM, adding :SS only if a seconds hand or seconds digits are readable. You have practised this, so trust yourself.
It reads 11:50
